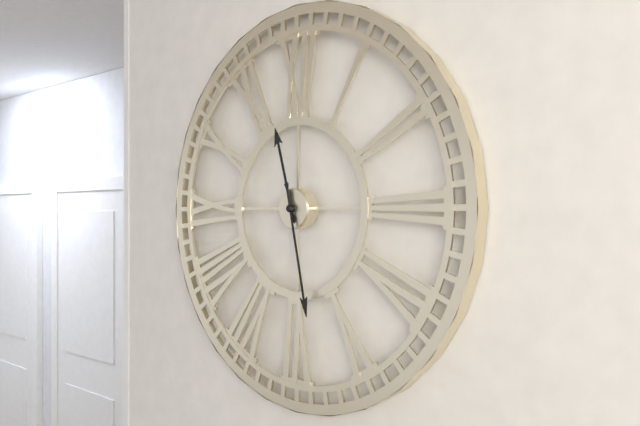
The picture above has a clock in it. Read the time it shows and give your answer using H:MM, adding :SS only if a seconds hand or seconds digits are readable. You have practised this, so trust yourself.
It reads 11:28
